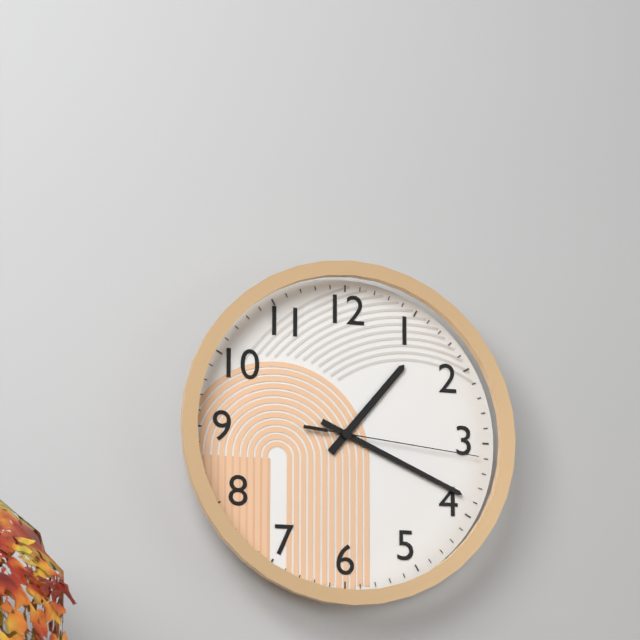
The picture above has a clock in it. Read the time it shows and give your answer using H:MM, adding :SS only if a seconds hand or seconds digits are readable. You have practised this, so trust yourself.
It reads 1:19:16
